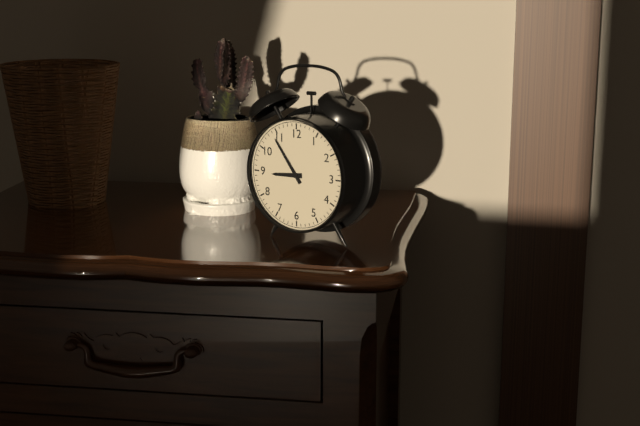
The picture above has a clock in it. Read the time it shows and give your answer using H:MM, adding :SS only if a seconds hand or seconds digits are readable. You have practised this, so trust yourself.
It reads 8:54
